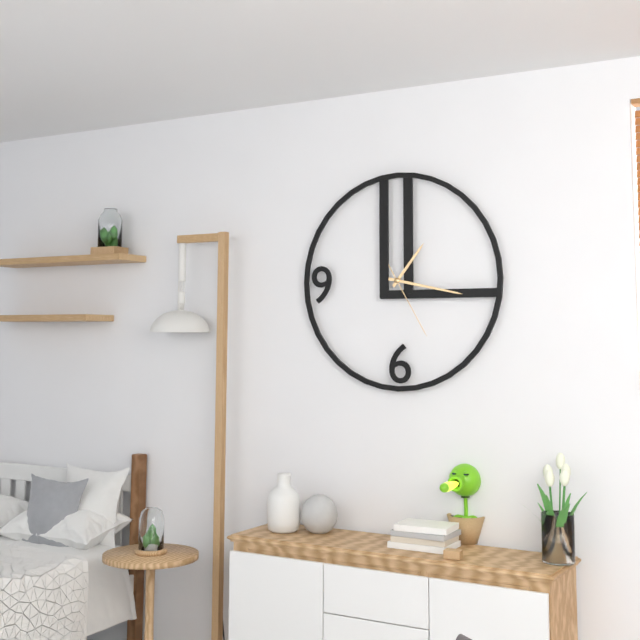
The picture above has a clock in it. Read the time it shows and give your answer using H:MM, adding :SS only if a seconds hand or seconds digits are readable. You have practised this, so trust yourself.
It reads 1:17:25
